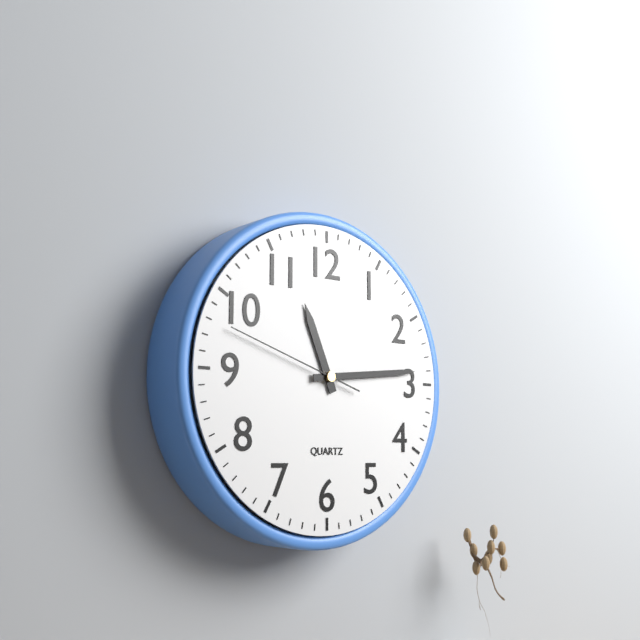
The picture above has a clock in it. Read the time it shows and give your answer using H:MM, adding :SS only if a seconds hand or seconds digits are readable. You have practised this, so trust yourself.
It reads 11:14:48
